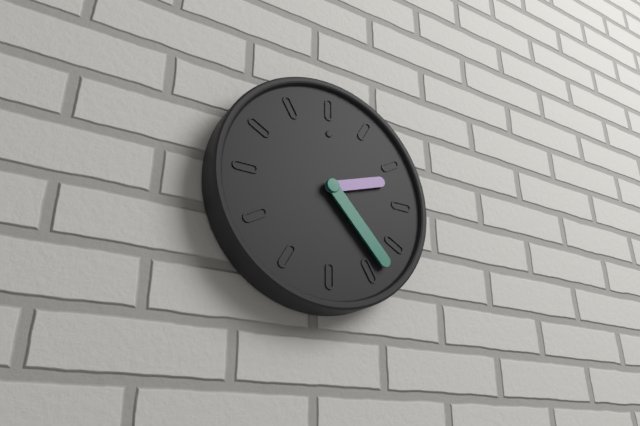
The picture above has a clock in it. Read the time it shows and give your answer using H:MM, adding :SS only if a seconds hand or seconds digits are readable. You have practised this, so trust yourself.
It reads 2:23
